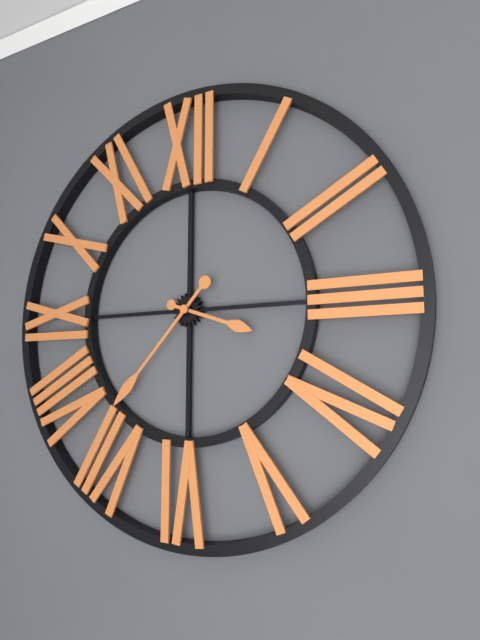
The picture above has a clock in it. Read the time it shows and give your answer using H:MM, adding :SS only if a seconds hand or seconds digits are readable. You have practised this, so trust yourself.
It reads 3:37
